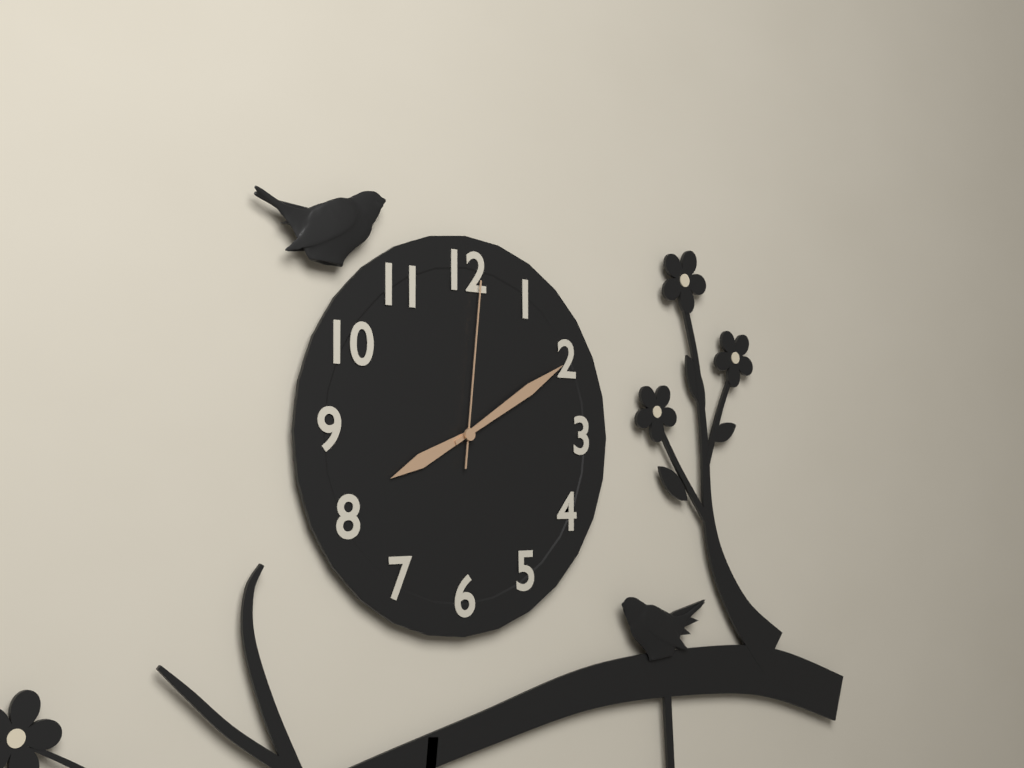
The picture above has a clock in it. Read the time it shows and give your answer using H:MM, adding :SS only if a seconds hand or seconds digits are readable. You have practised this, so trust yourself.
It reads 8:10:01
